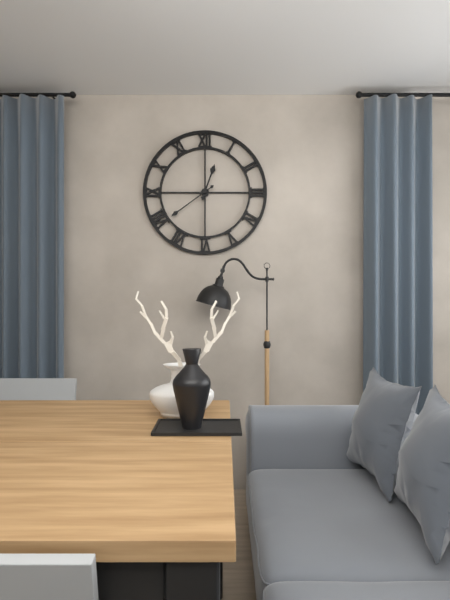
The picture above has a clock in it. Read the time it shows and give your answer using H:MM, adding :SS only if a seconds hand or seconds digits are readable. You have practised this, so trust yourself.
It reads 12:39
